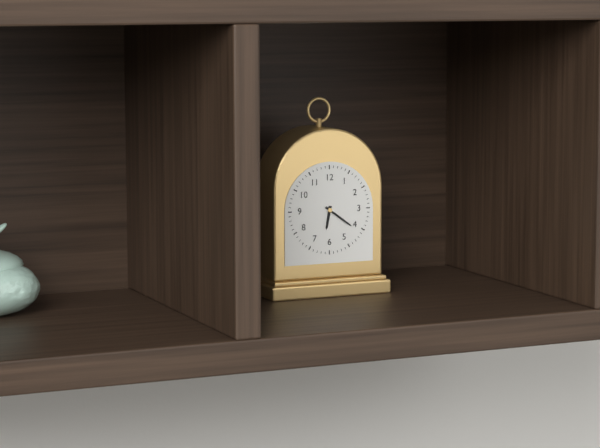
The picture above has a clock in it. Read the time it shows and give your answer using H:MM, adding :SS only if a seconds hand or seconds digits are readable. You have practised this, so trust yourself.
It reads 6:21
